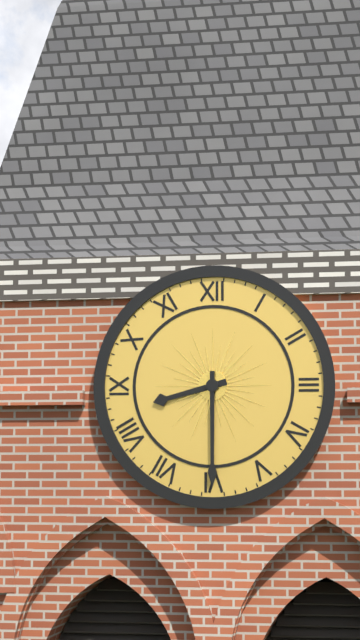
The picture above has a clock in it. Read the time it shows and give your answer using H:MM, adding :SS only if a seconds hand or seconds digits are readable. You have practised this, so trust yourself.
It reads 8:30
